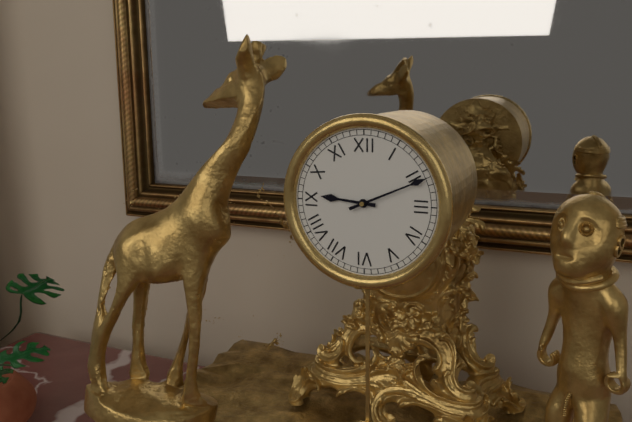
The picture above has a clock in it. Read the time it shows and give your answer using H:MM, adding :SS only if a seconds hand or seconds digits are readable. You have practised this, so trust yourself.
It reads 9:11
